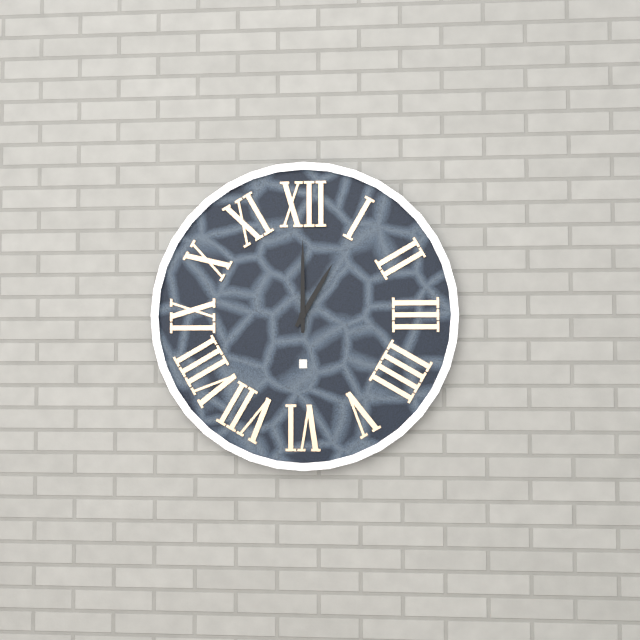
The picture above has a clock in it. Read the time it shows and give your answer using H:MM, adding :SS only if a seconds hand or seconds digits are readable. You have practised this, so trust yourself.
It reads 1:00
